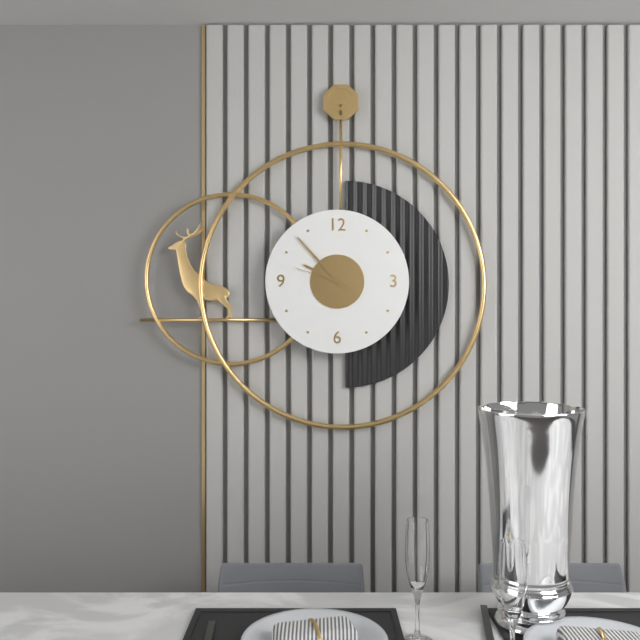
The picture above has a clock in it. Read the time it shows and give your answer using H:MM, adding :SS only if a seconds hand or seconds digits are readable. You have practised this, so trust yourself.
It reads 9:53:48
